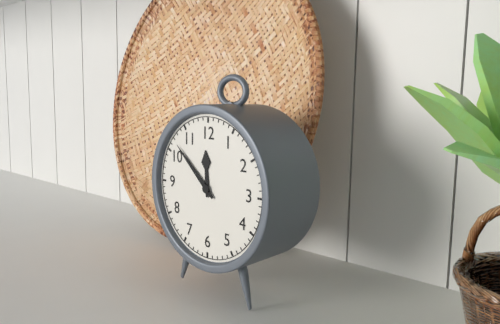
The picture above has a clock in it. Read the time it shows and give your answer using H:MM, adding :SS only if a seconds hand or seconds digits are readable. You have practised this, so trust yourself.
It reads 11:52
